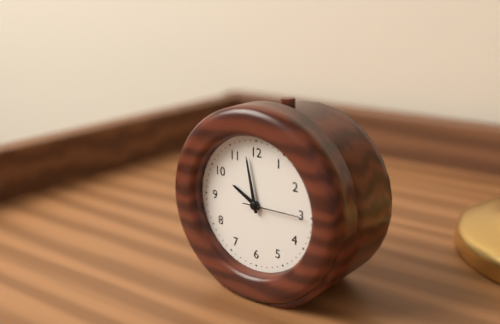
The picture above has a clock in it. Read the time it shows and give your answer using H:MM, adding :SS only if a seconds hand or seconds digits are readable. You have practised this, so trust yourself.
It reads 9:58:15
